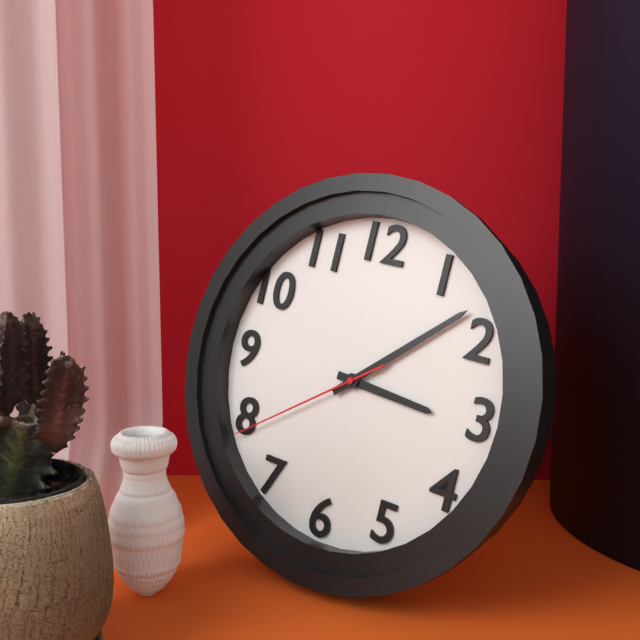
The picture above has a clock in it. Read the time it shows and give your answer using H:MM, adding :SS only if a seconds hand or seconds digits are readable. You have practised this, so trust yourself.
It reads 3:08:39
